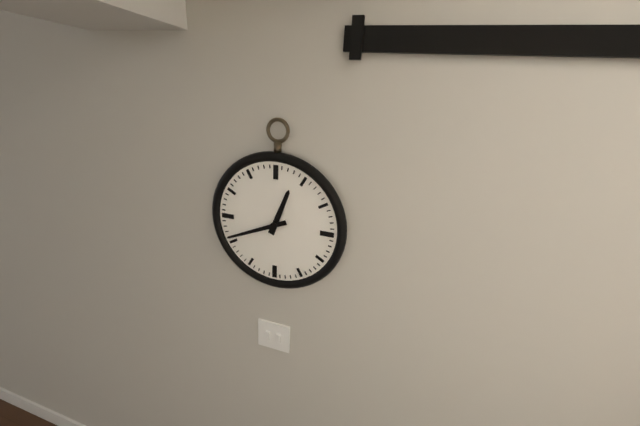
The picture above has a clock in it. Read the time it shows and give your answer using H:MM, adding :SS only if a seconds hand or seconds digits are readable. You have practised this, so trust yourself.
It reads 12:41
